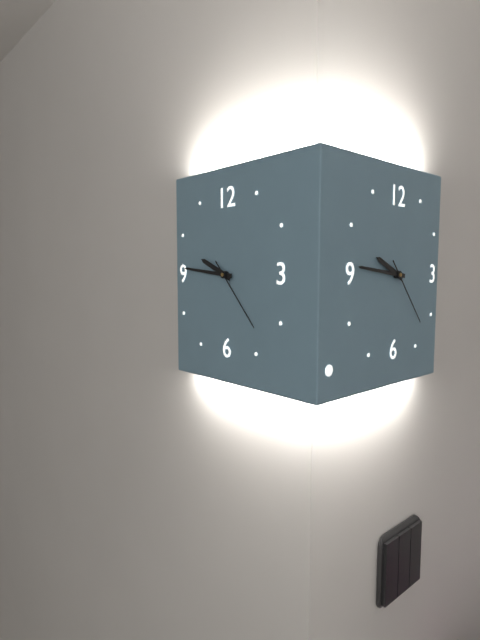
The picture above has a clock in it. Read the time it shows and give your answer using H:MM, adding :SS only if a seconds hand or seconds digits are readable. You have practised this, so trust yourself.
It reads 9:46:23
